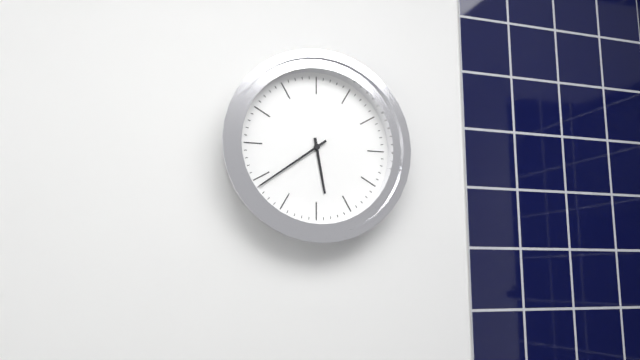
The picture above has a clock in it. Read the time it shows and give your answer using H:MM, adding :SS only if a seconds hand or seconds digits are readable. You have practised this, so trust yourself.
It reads 5:39
